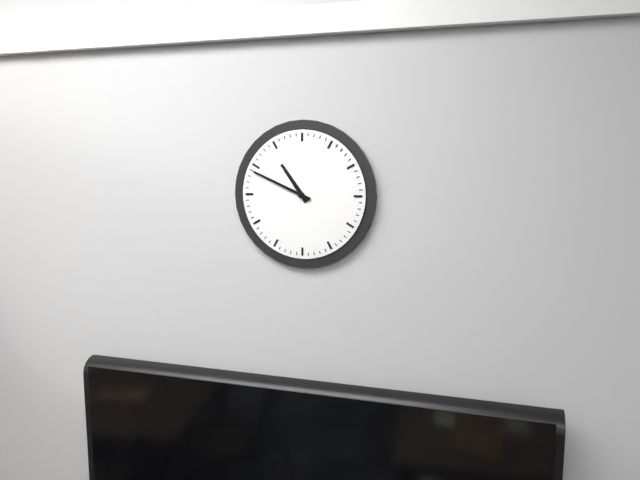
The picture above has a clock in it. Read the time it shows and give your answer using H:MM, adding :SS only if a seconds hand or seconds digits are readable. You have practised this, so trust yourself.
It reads 10:49
